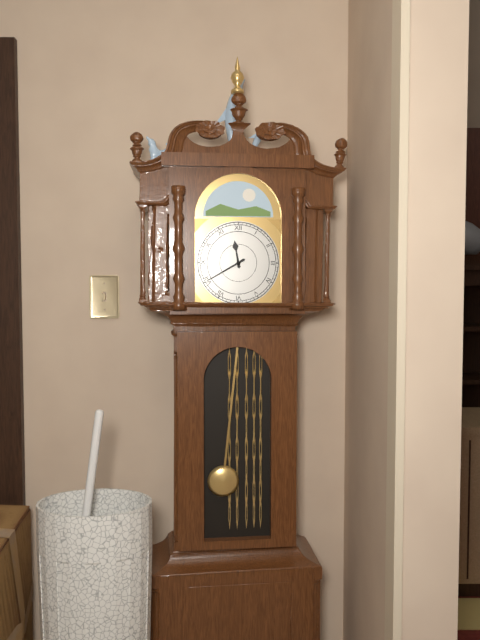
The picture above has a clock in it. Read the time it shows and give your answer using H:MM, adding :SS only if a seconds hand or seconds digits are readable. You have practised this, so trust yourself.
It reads 11:40
